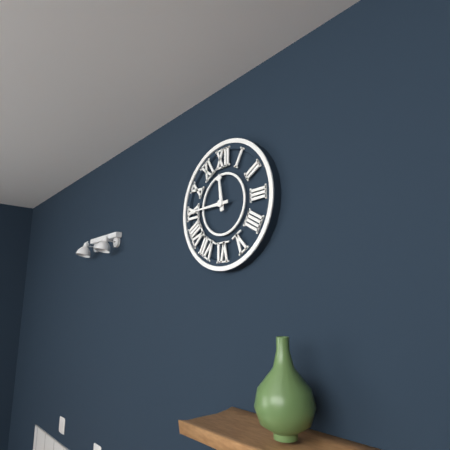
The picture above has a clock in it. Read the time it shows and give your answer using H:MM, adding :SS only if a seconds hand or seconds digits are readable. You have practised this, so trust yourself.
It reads 11:45
